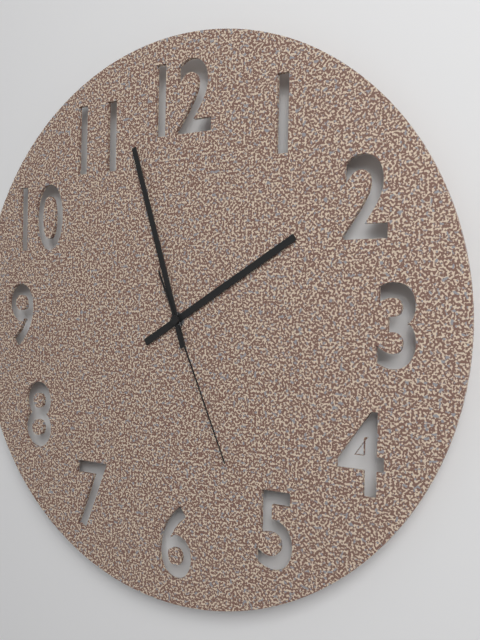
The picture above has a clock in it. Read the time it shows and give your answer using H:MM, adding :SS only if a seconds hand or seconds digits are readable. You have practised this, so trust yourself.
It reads 1:57:26
